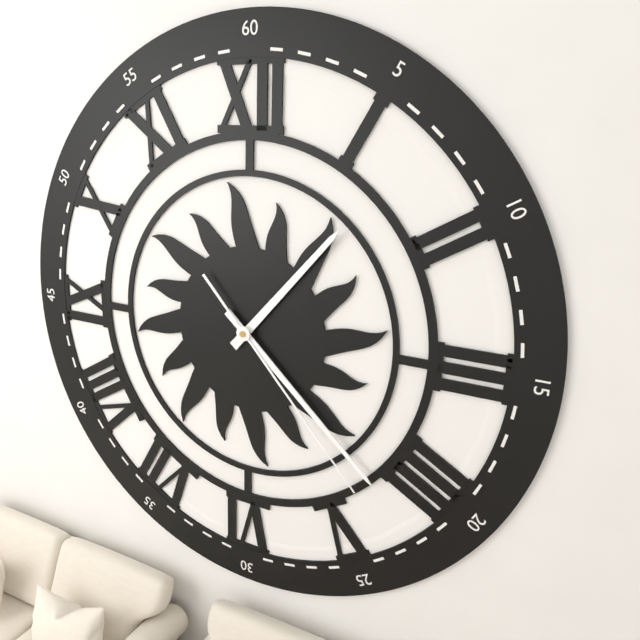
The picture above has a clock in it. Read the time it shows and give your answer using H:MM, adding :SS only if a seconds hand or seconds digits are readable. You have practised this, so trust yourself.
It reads 1:22:23
